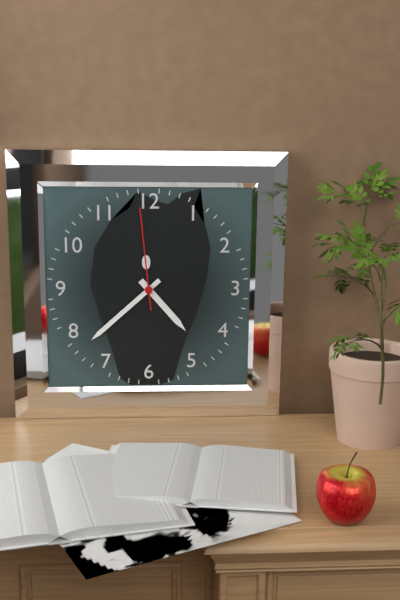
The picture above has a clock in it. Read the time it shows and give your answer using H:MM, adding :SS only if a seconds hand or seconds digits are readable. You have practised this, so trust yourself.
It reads 4:38:59
